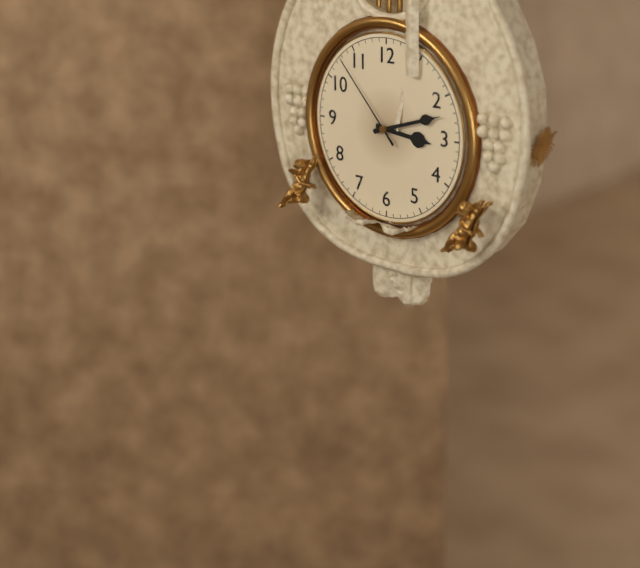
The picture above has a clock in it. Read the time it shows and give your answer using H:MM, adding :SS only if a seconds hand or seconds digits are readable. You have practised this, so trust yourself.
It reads 3:12:53
